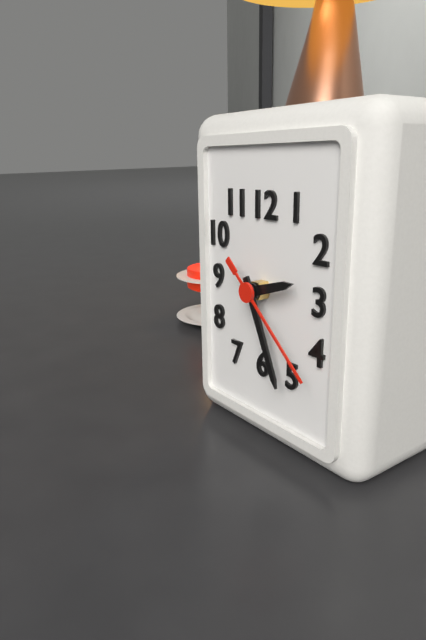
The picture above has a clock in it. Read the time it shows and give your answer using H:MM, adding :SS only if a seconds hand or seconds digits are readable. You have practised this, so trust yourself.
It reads 2:26:22
